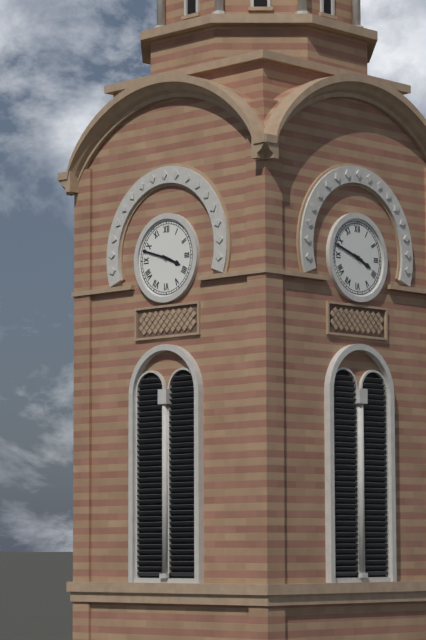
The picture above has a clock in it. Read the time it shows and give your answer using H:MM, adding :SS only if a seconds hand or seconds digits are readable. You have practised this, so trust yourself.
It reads 3:48
